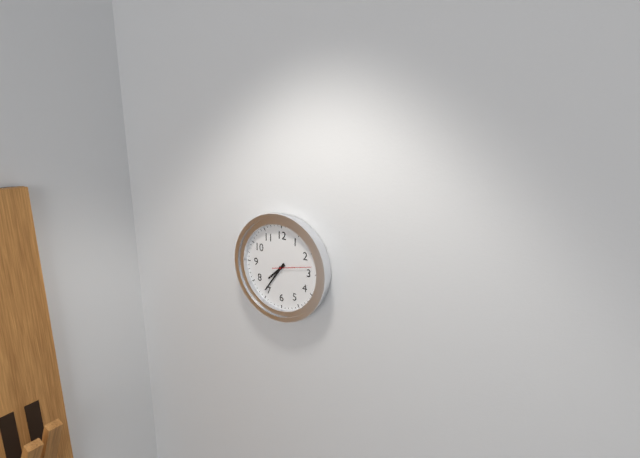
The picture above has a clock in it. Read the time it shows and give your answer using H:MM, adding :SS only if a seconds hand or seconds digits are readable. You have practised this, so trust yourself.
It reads 7:36
